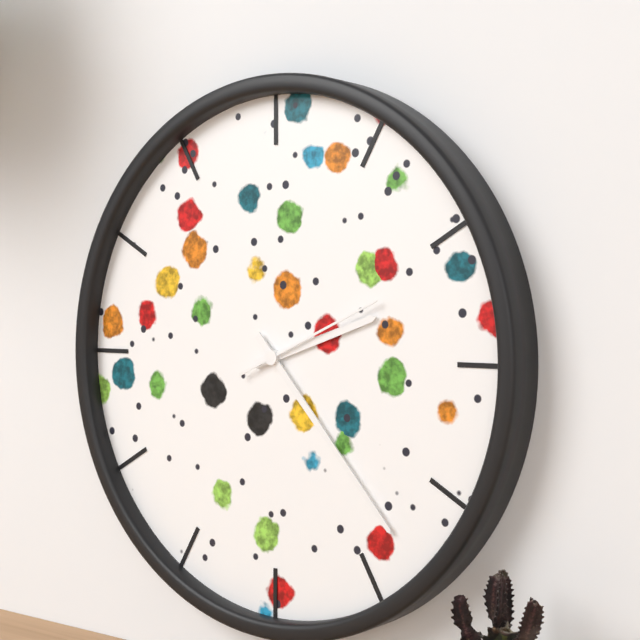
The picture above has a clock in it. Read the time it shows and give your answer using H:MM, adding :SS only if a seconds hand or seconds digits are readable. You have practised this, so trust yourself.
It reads 2:23:11
